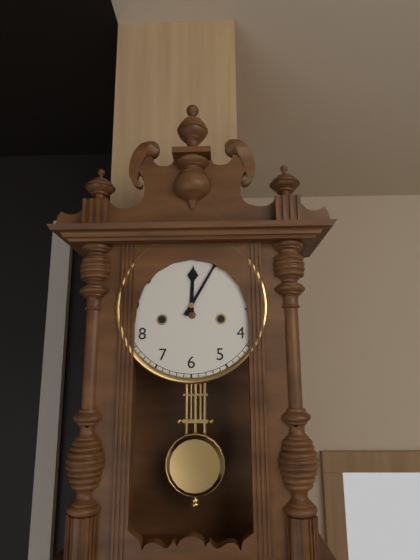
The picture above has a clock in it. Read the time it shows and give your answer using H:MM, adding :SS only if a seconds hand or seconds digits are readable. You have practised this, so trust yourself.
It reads 12:05
